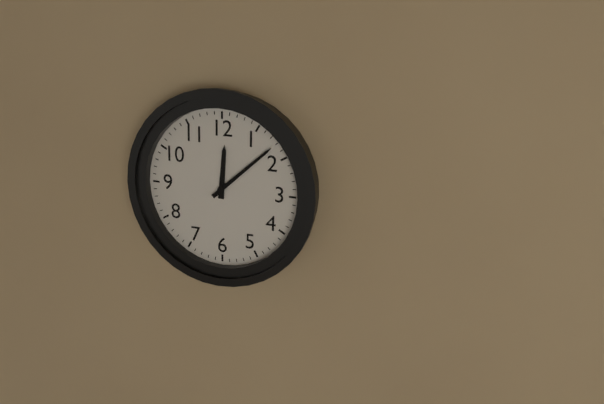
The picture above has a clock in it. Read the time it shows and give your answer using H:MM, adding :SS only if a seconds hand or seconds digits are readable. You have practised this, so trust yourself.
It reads 12:08
